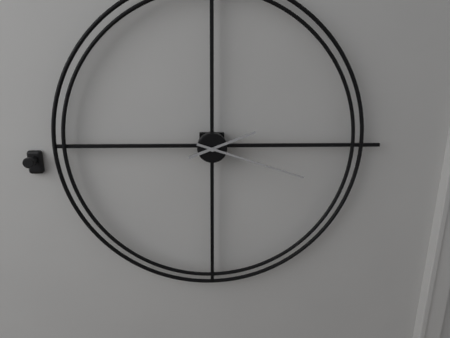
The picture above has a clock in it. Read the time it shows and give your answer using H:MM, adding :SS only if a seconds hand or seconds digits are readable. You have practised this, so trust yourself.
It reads 2:18
